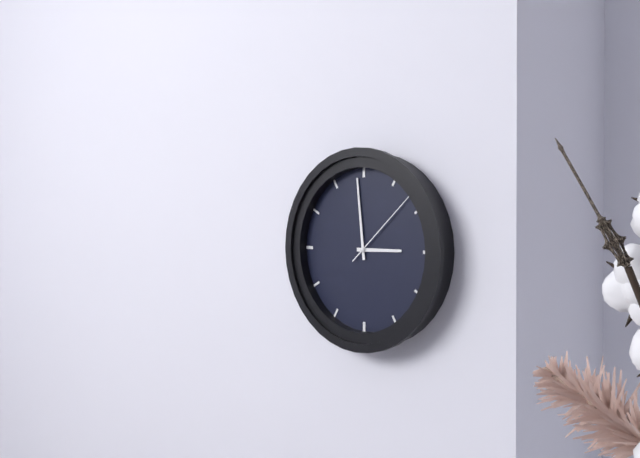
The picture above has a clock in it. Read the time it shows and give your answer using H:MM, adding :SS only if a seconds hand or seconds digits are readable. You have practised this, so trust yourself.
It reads 2:59:08
